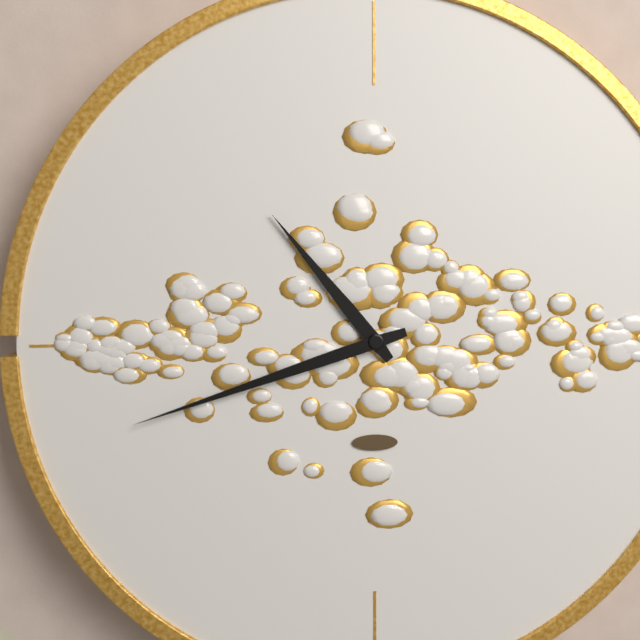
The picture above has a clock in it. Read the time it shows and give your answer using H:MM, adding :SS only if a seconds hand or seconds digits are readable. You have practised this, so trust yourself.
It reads 10:42
